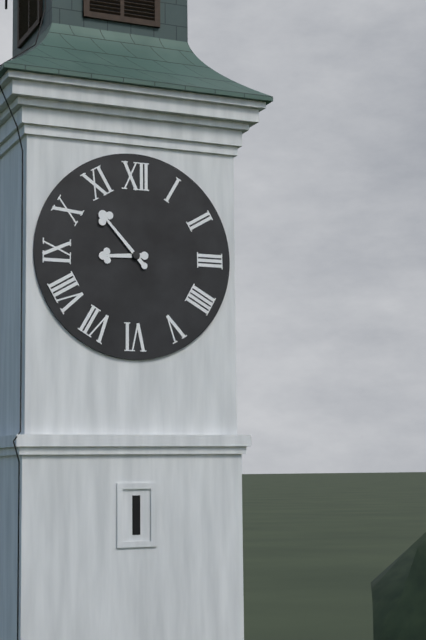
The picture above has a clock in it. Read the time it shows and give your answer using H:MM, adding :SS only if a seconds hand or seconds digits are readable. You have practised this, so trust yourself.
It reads 8:53
